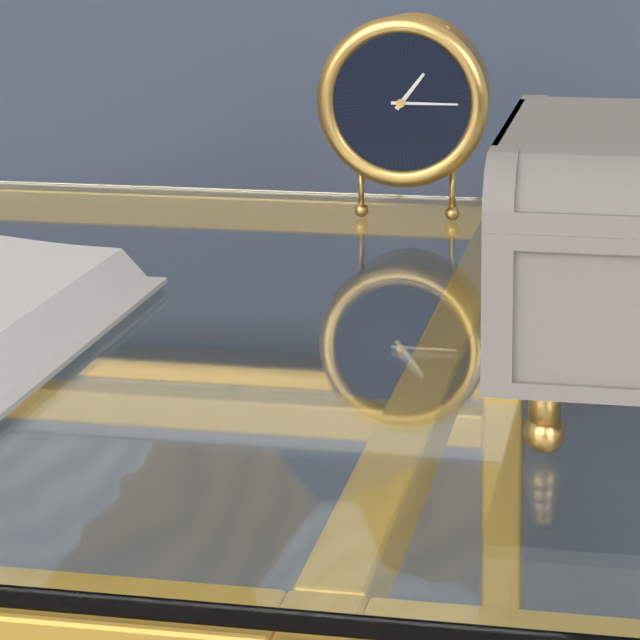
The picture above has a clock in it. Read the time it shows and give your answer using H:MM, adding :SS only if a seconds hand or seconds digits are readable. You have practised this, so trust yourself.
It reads 1:15
